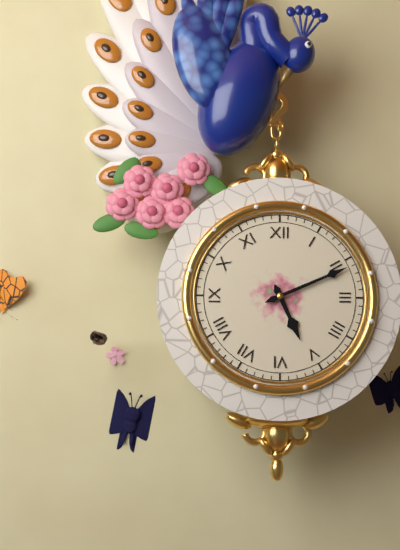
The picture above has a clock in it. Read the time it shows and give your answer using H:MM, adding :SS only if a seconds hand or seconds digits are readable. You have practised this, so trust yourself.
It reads 5:11
